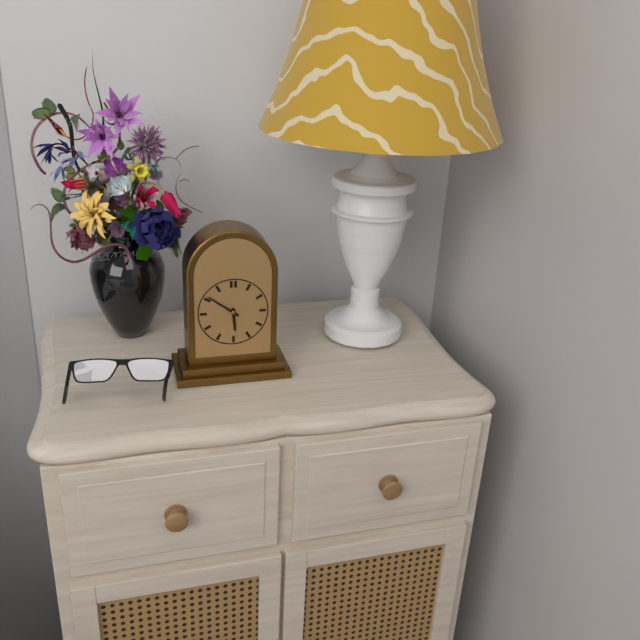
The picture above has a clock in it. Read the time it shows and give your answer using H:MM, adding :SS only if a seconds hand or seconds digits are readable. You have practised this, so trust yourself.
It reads 5:51
